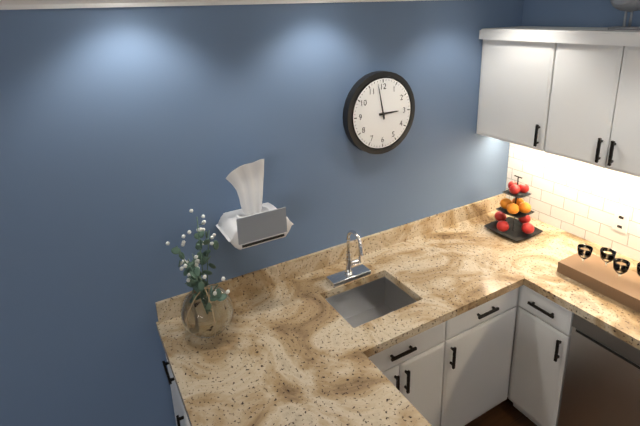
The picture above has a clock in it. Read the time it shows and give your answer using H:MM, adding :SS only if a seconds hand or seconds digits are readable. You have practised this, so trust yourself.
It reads 2:58
